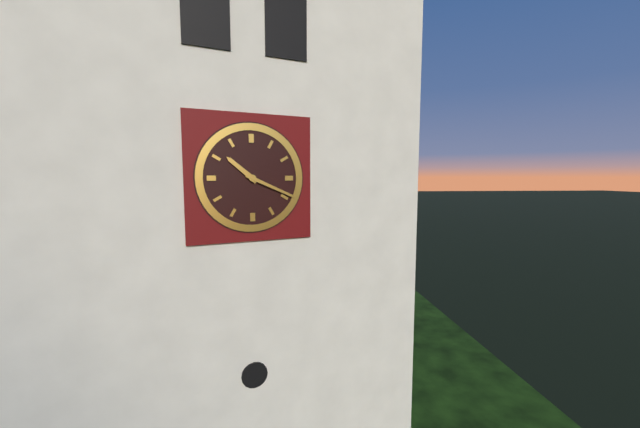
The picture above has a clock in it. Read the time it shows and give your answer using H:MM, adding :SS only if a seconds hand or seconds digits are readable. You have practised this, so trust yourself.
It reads 10:19
